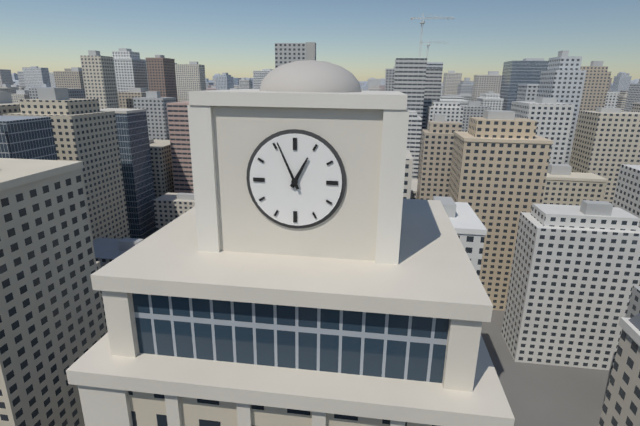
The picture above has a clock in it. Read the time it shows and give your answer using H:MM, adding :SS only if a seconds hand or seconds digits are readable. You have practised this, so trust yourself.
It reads 12:56
